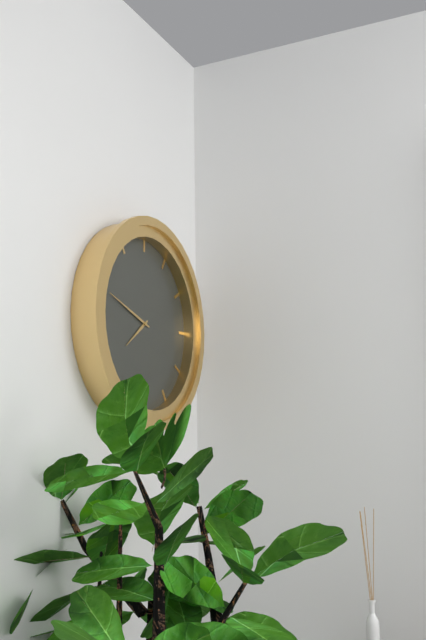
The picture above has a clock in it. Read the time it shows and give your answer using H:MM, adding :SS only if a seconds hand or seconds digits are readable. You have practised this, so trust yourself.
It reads 7:48
